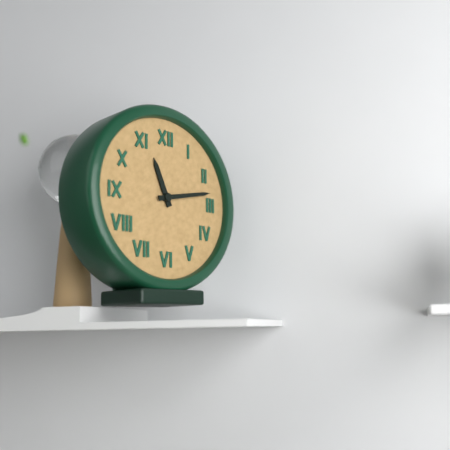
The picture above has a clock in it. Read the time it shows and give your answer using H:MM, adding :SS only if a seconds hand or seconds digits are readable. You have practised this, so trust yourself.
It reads 11:13
